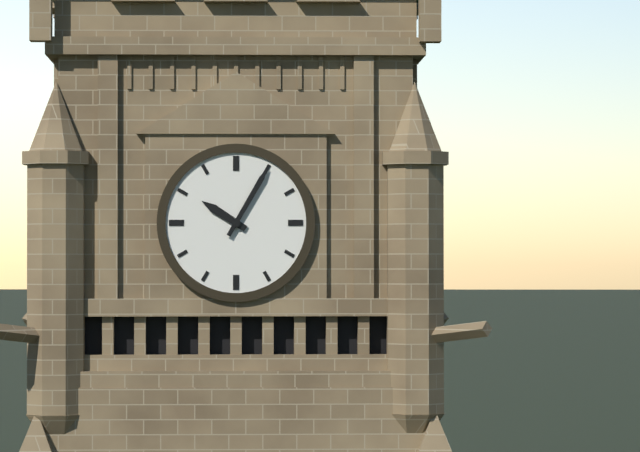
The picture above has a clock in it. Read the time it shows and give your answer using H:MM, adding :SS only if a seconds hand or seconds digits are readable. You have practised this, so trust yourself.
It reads 10:05
